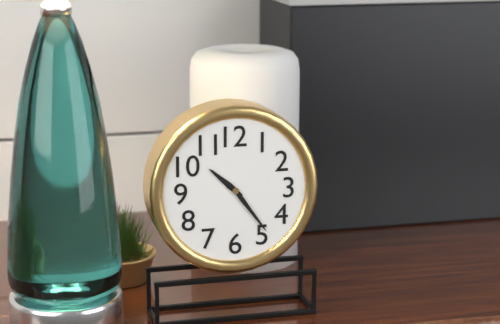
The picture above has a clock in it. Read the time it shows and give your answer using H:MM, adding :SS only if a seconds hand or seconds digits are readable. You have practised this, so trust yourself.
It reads 10:24
